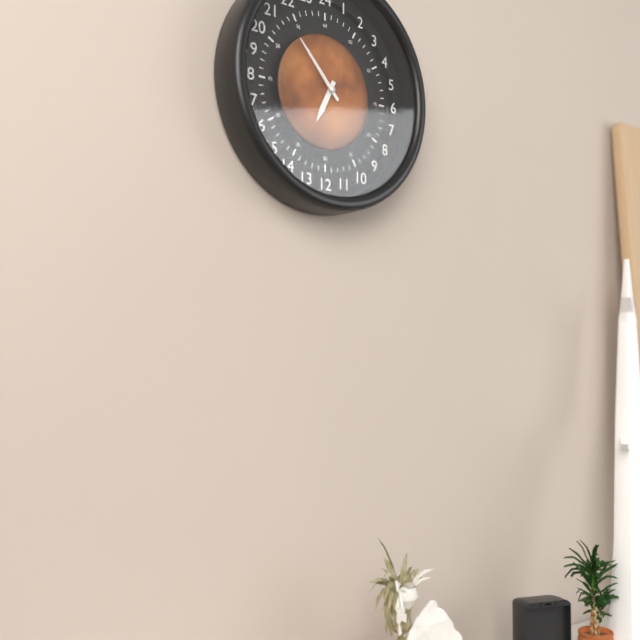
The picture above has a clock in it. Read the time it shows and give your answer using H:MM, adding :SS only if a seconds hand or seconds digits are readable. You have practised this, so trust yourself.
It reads 6:53
